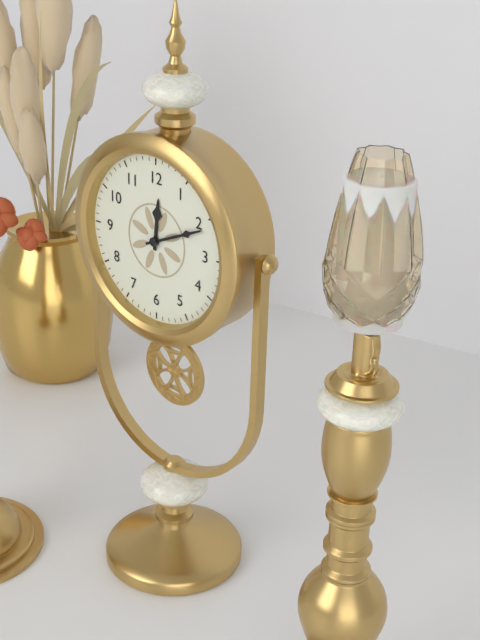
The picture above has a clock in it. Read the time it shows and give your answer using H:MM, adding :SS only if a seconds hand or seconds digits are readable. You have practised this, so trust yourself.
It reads 12:11
